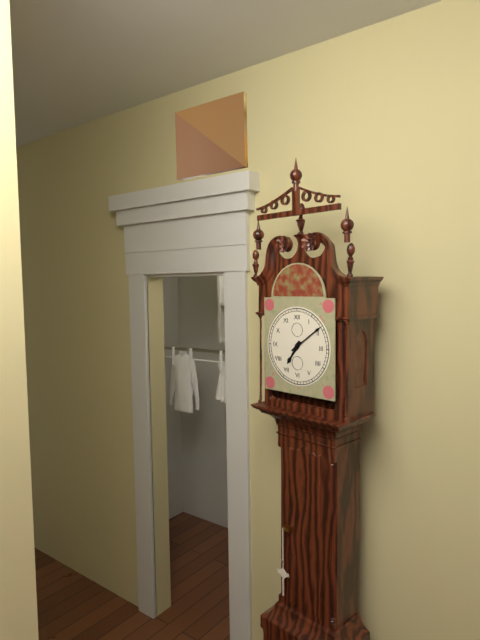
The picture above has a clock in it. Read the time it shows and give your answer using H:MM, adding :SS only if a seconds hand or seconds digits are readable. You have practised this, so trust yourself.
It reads 7:09
